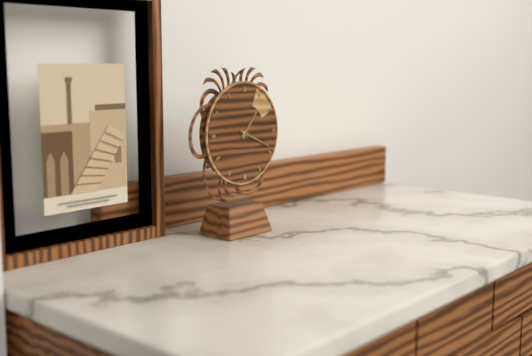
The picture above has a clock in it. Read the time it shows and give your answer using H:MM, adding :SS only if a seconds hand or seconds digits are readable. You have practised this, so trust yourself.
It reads 1:19
